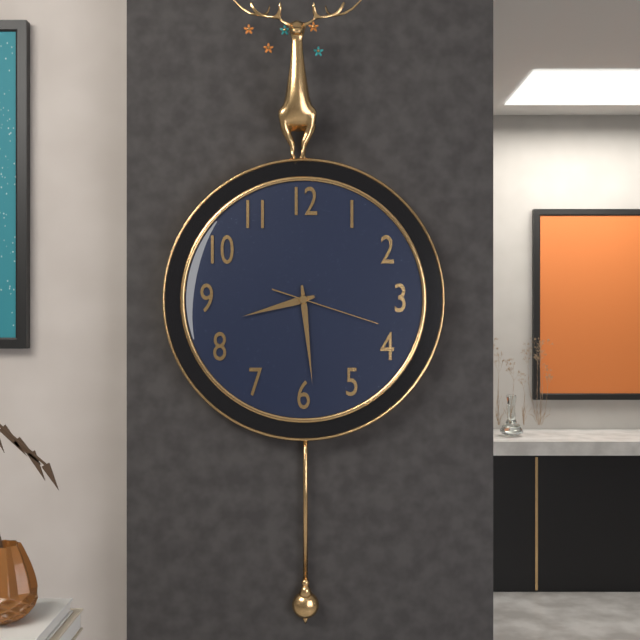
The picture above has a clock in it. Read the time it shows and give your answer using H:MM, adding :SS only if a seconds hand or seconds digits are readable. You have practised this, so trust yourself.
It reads 8:29:18
